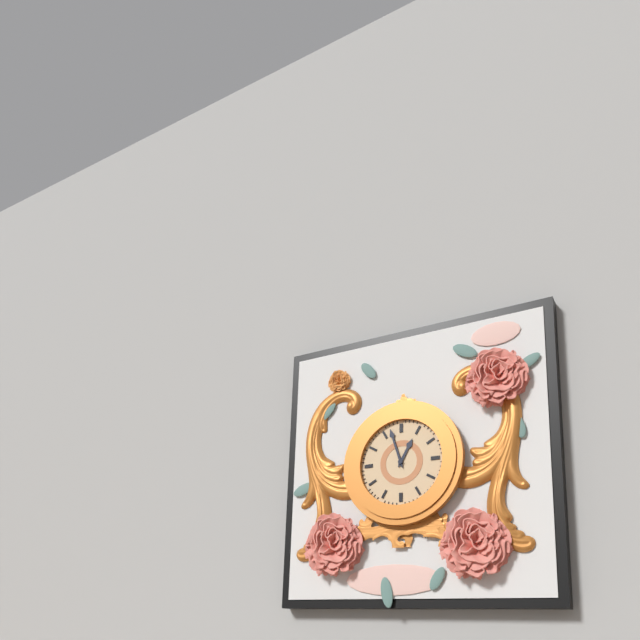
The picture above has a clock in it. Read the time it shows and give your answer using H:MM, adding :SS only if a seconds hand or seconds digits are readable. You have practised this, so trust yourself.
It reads 12:57
